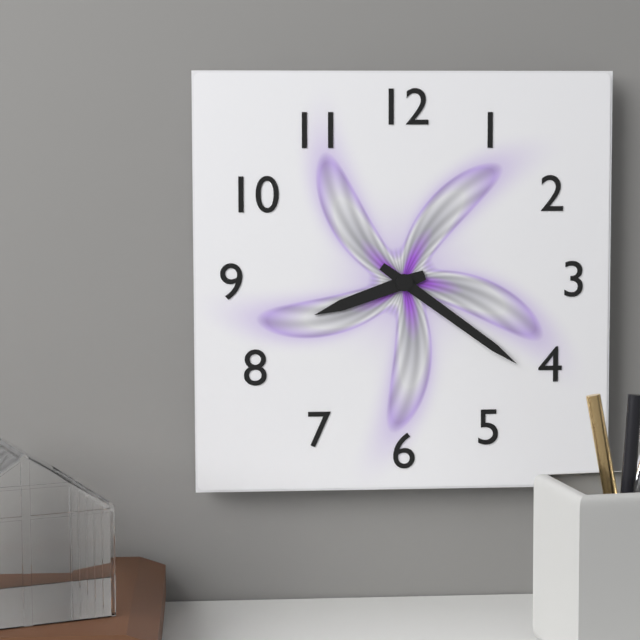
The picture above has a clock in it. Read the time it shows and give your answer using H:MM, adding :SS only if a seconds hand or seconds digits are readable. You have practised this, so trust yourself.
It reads 8:21
